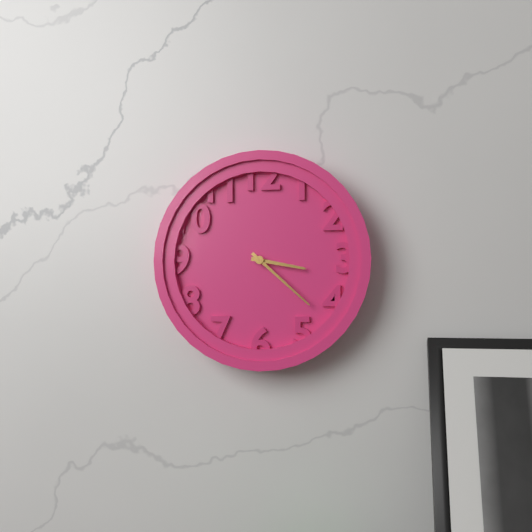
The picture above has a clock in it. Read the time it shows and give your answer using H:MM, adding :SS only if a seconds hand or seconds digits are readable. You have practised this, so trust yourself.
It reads 3:22
